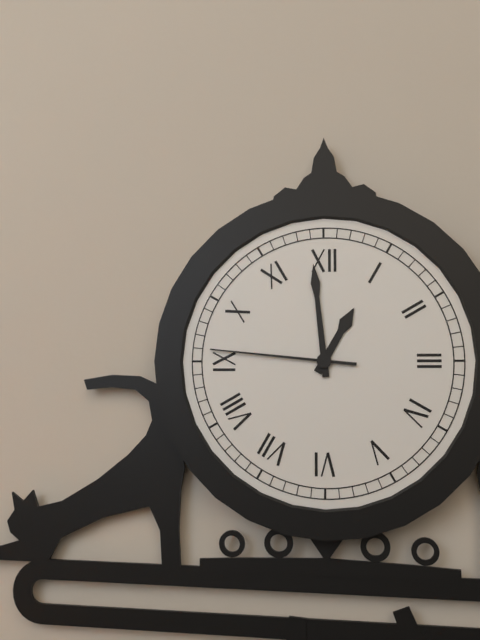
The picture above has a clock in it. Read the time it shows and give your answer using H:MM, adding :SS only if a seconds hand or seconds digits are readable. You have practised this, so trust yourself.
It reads 12:59:46
